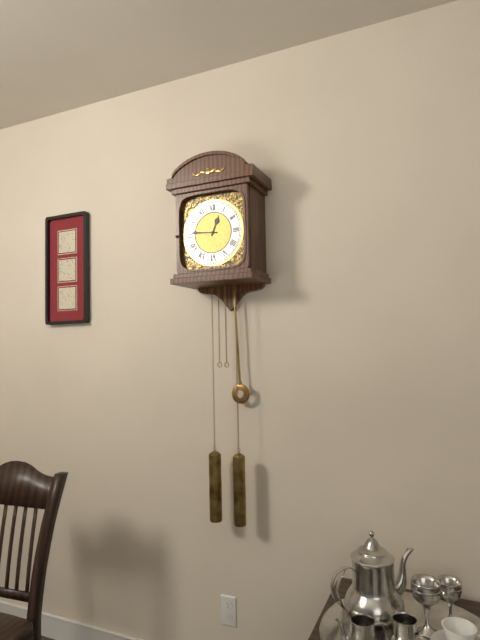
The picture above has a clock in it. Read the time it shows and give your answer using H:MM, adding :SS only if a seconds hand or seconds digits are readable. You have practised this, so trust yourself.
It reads 12:46
